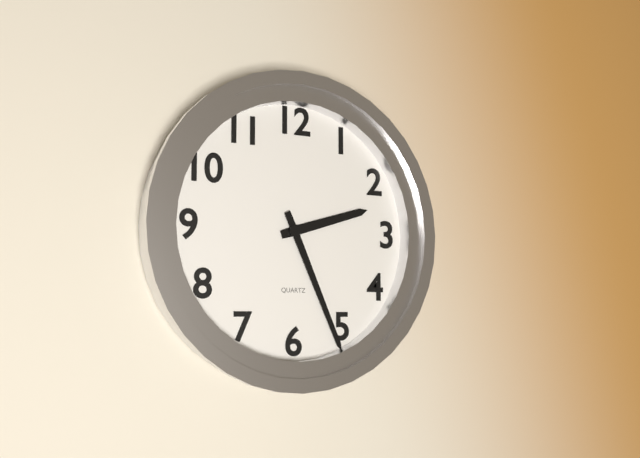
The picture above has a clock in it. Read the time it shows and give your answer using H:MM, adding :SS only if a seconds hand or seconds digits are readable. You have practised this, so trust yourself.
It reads 2:26
